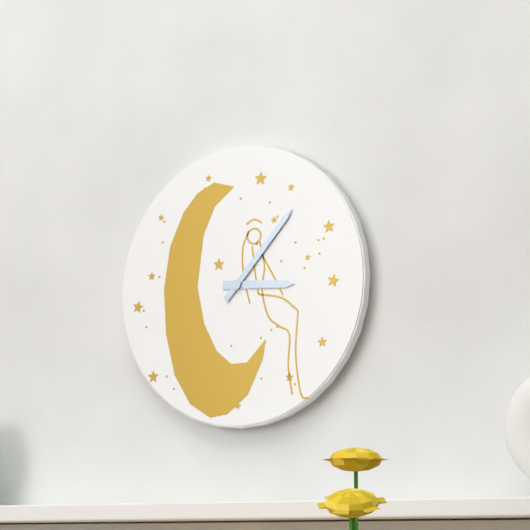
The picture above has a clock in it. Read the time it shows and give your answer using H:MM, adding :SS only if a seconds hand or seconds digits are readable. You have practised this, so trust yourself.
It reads 3:07
